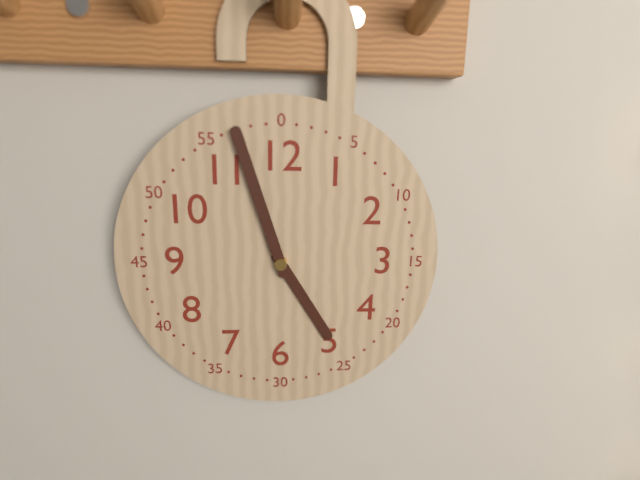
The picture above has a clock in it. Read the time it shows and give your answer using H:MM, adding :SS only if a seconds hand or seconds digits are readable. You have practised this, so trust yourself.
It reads 4:57
